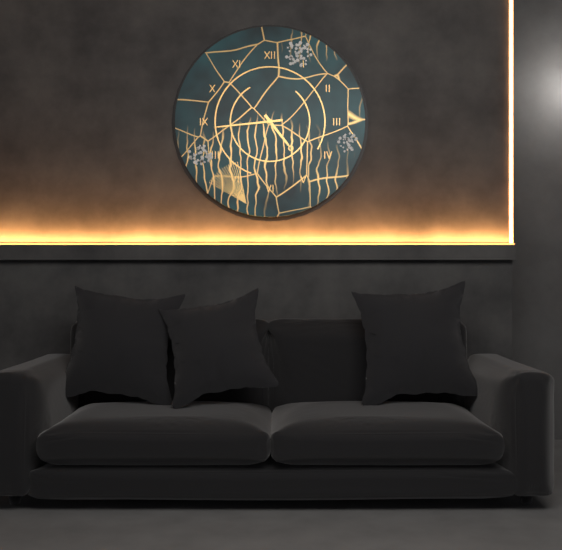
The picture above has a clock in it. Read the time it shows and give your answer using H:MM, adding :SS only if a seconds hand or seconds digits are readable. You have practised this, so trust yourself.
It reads 4:44
